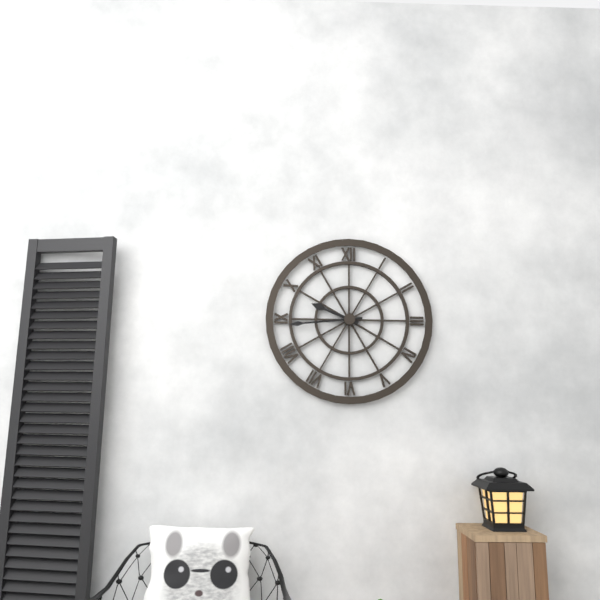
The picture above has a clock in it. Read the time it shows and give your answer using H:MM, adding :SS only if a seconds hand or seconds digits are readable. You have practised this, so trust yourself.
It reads 9:44
